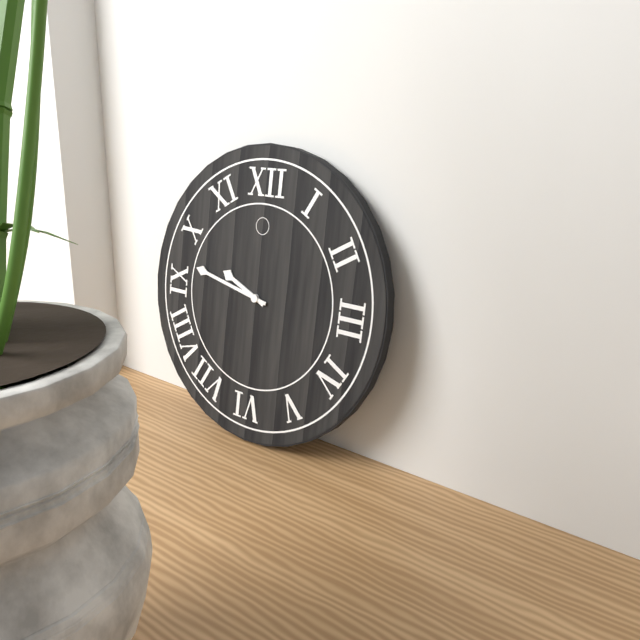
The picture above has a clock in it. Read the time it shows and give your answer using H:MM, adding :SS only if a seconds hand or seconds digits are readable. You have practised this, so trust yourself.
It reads 9:47
